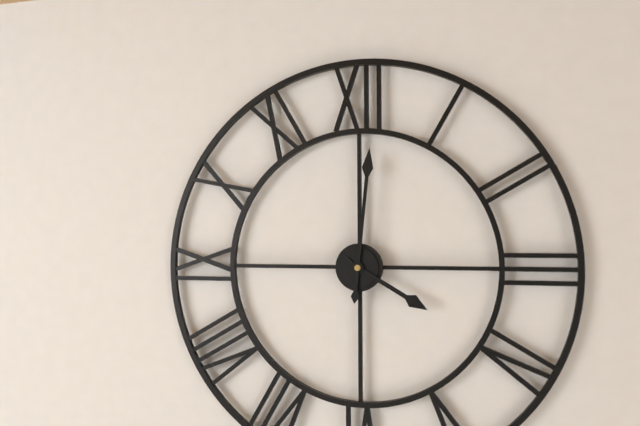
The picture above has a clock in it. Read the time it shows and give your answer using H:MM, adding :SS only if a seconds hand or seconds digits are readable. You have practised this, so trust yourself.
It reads 4:01
